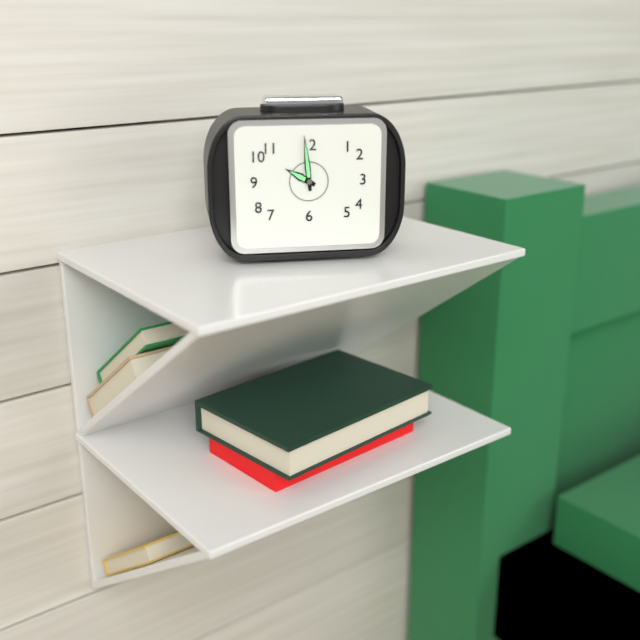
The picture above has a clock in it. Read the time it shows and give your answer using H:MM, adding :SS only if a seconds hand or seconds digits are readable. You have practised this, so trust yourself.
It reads 9:59
